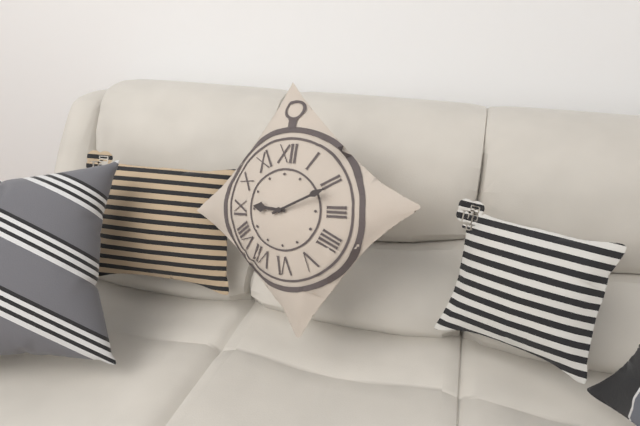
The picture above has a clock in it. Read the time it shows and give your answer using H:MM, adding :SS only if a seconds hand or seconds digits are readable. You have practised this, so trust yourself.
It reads 9:11
